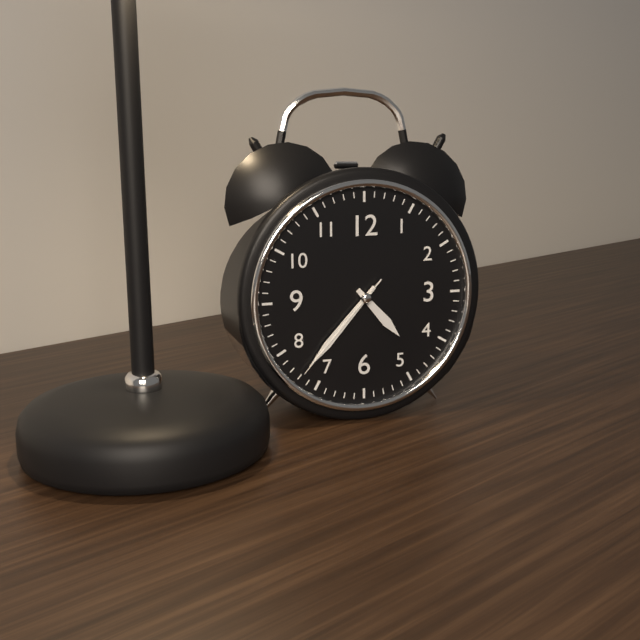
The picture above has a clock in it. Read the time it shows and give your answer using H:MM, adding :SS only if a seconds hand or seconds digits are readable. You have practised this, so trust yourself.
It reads 4:37:37
